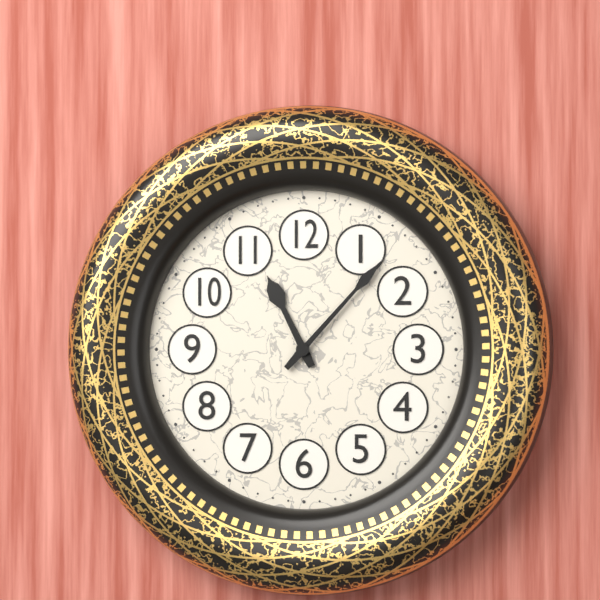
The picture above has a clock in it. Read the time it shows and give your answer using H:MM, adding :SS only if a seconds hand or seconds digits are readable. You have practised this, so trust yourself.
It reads 11:07
